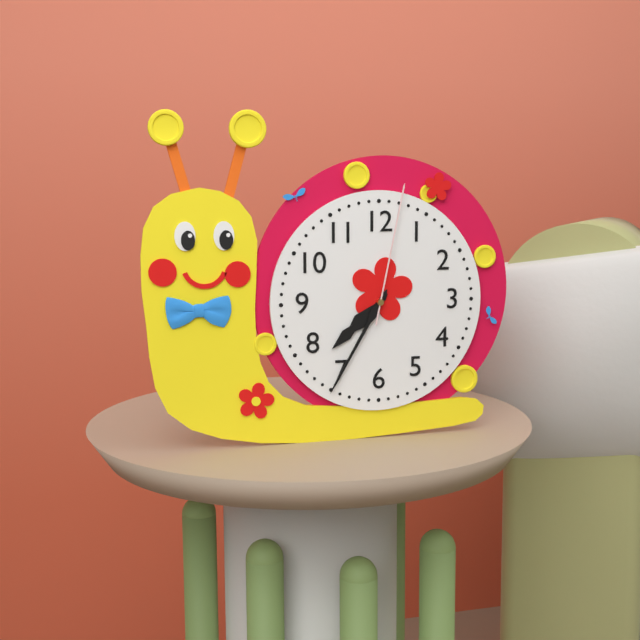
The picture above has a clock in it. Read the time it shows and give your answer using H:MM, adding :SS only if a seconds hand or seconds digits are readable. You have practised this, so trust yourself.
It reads 7:35:02
